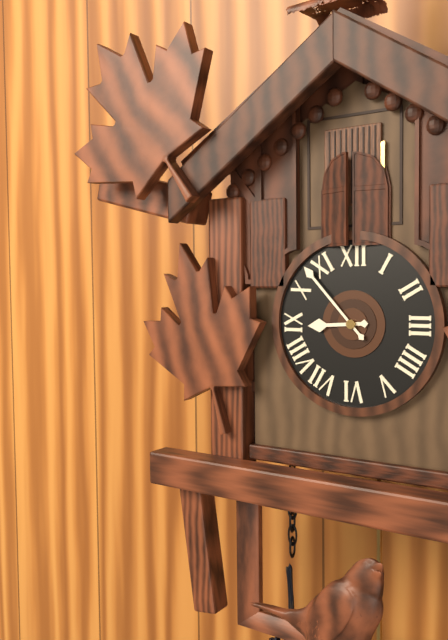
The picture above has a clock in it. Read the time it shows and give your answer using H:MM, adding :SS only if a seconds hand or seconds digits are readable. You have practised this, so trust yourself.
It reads 8:53
